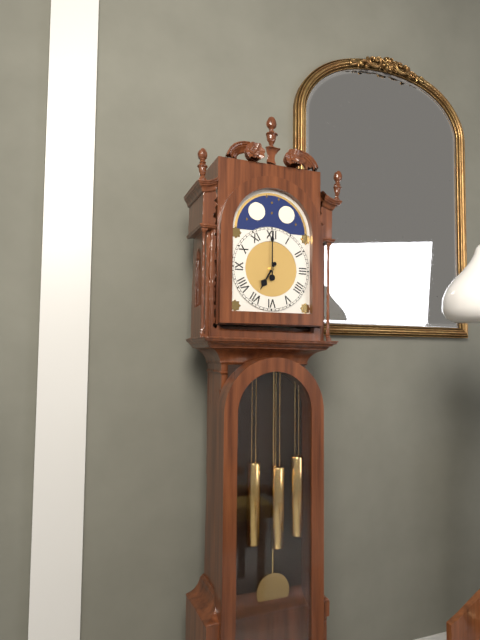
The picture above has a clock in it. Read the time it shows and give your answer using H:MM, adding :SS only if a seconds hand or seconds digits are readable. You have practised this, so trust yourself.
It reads 7:00
